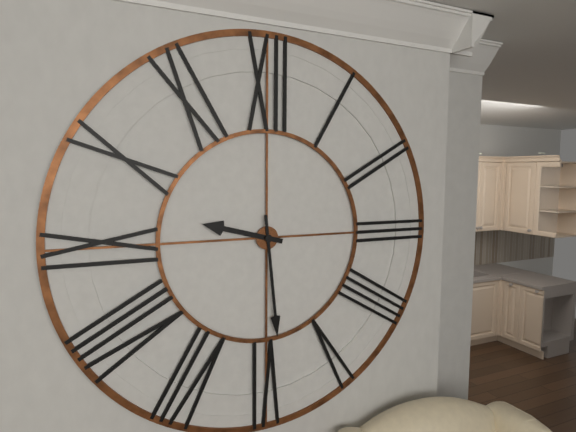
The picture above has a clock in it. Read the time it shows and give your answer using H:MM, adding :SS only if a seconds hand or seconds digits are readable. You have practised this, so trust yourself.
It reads 9:29
